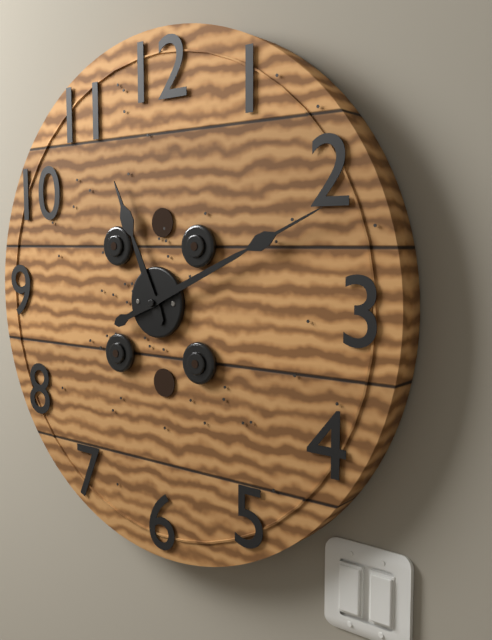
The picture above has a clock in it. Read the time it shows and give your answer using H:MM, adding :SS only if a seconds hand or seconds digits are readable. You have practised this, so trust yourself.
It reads 11:11
